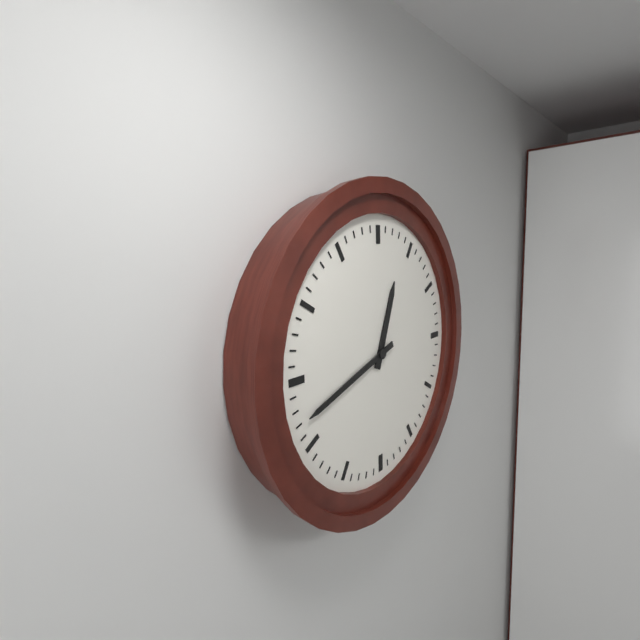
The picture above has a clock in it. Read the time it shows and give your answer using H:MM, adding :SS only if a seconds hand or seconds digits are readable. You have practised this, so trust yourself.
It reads 12:42
